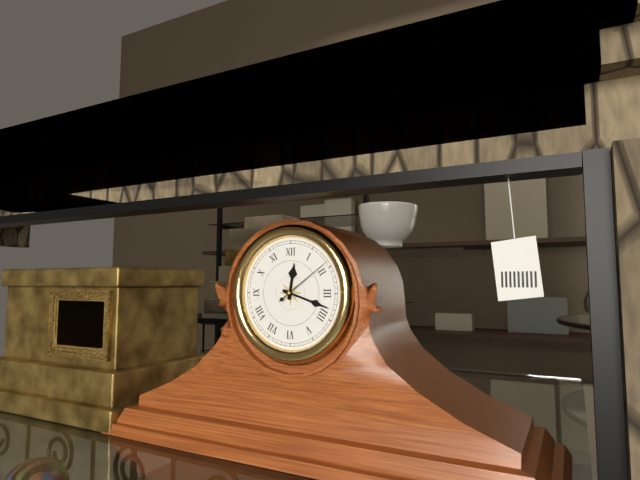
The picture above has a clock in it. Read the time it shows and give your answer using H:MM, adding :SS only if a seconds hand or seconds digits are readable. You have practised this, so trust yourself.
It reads 12:18:09
